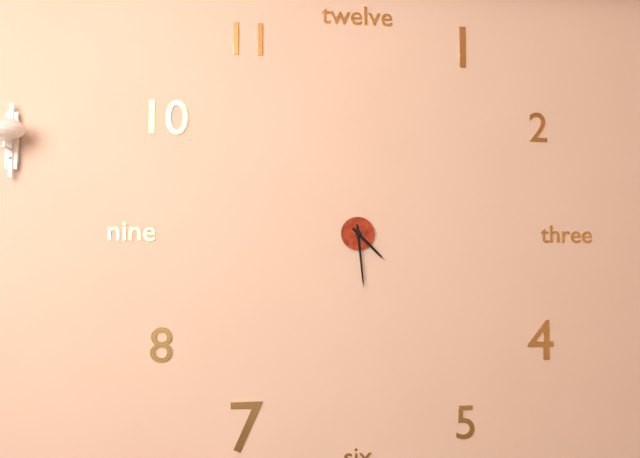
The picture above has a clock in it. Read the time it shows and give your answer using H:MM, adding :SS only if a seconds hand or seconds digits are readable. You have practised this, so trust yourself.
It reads 4:29
